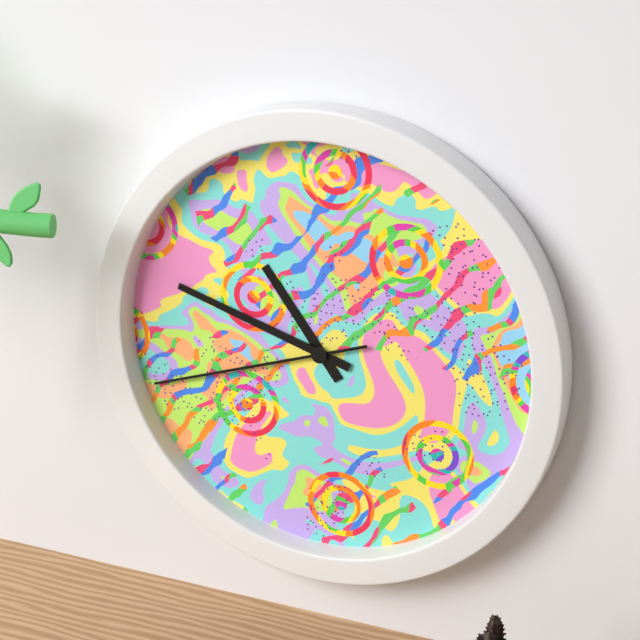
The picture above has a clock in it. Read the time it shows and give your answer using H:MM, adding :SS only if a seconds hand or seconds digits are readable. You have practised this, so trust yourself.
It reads 10:48:42
